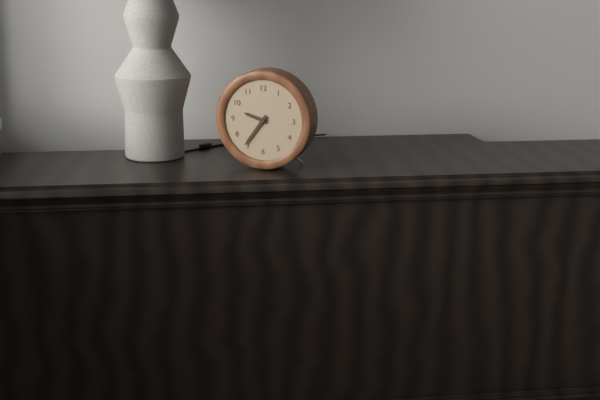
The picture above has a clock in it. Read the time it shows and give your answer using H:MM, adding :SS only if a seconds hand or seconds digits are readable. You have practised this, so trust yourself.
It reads 9:36
